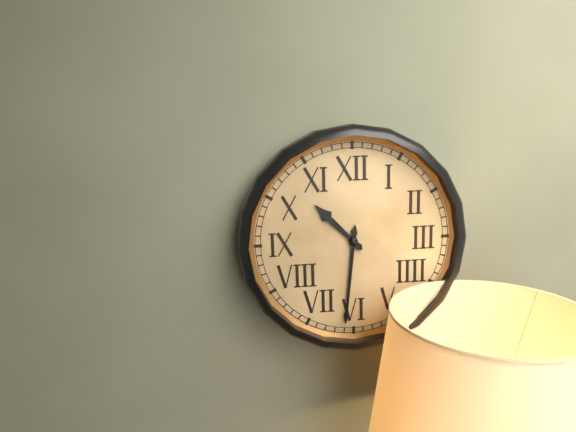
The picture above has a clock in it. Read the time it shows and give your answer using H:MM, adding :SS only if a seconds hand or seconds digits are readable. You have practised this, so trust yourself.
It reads 10:31
